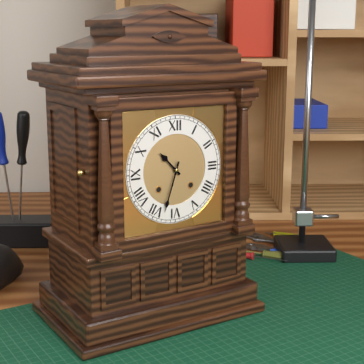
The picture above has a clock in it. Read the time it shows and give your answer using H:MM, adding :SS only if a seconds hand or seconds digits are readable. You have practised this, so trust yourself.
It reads 10:33
